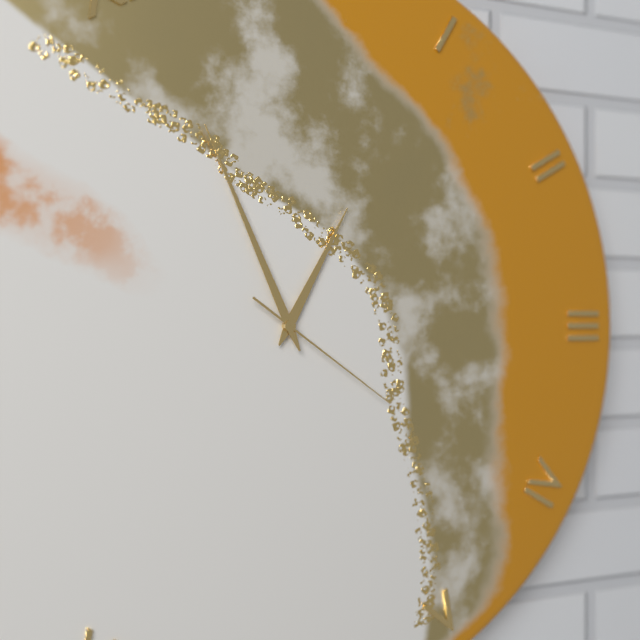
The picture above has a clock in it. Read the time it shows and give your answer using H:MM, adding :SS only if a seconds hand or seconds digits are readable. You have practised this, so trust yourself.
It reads 12:56:21
